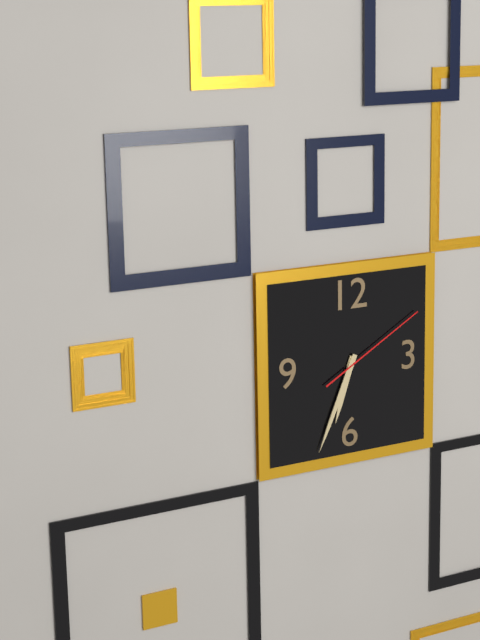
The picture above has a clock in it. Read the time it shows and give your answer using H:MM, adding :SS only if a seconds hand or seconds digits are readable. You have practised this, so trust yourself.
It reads 6:34:10
